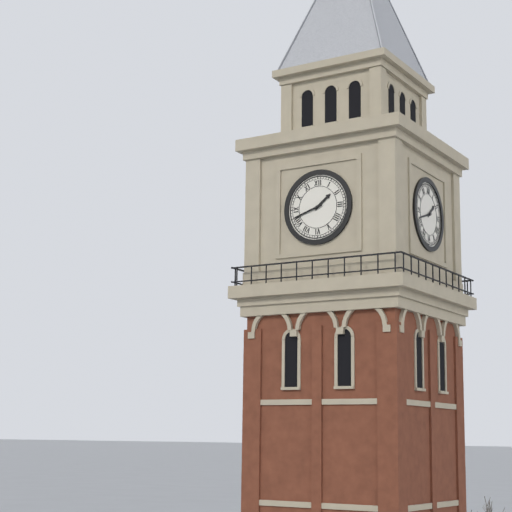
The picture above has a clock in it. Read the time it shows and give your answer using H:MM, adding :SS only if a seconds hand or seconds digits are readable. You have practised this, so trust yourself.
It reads 1:42
